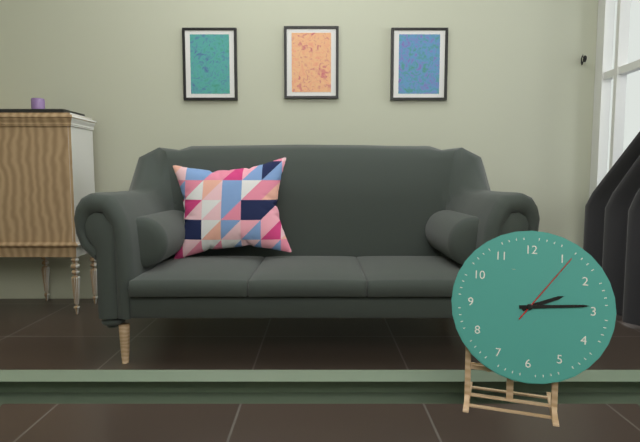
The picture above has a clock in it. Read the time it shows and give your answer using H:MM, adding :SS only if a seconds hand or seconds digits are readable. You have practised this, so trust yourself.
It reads 2:14:06
